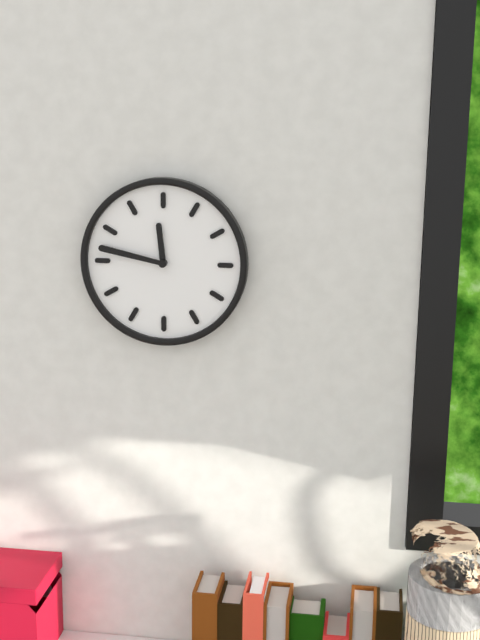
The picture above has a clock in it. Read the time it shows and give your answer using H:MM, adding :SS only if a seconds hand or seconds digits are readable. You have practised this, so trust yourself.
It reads 11:47
